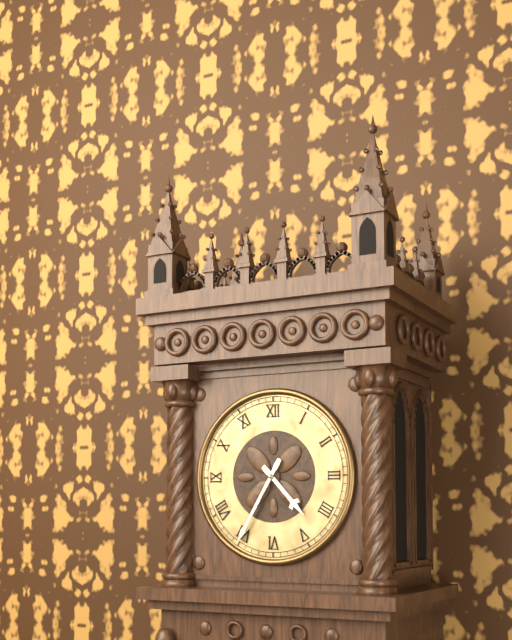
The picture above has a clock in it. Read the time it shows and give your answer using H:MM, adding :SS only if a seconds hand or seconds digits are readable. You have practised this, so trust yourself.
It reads 4:35
